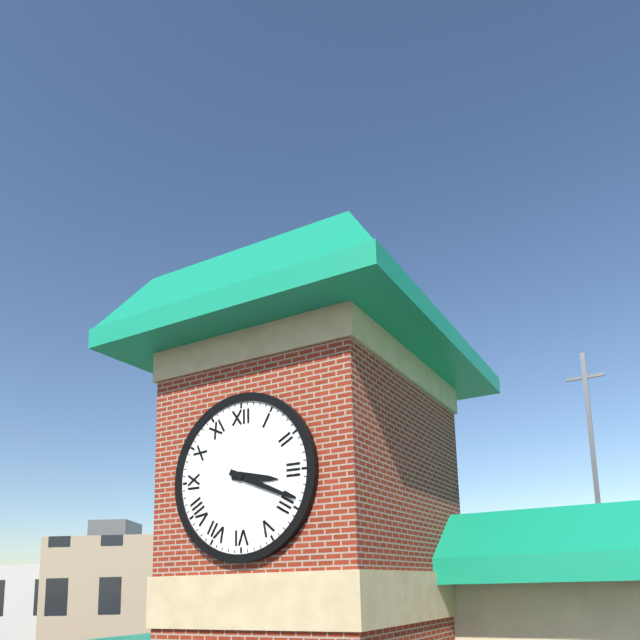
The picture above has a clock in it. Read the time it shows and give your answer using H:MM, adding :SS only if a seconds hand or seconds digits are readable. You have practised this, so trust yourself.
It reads 3:19
